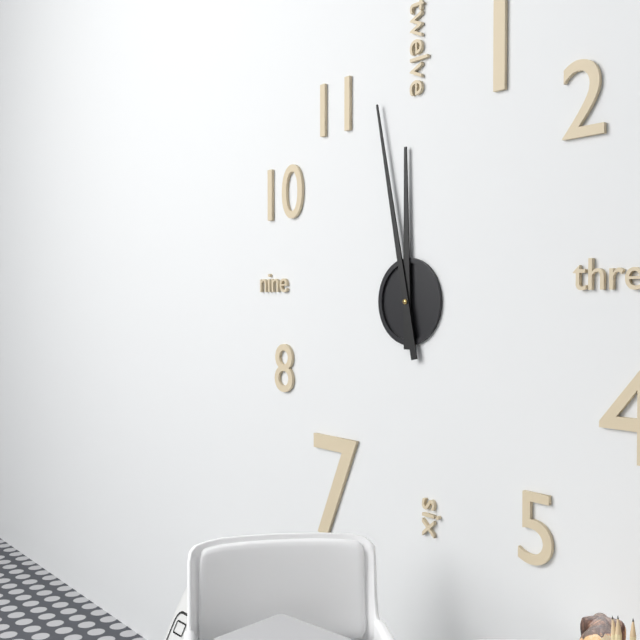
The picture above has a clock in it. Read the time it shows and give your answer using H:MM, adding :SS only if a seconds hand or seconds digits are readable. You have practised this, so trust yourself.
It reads 11:58
